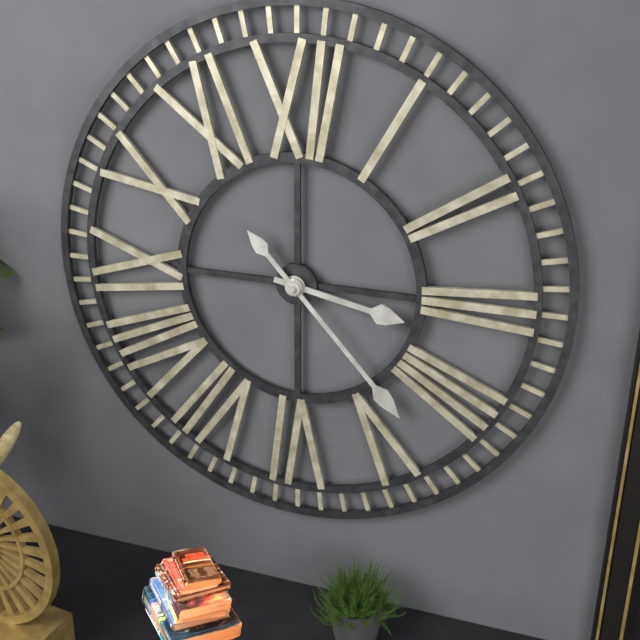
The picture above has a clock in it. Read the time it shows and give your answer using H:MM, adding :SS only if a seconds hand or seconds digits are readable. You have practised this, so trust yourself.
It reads 3:23
